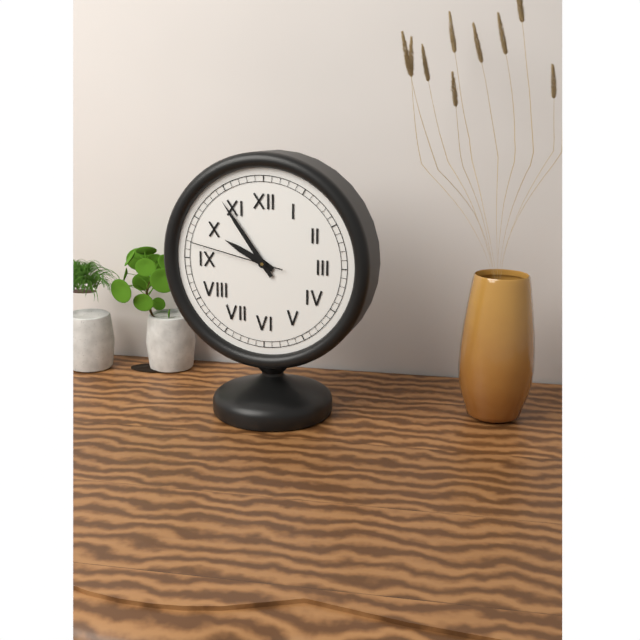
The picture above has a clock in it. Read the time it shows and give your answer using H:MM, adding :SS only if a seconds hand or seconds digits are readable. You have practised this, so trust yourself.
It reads 9:54:47
